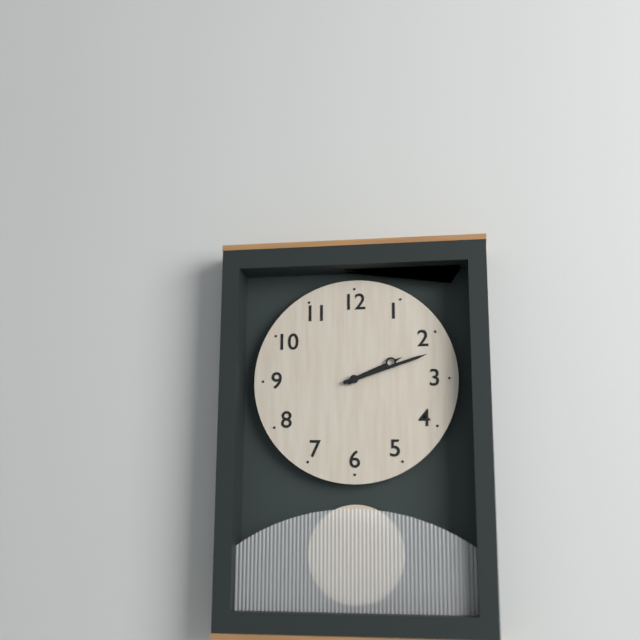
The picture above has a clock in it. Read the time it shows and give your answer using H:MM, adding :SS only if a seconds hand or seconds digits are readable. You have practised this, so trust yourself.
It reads 2:12
